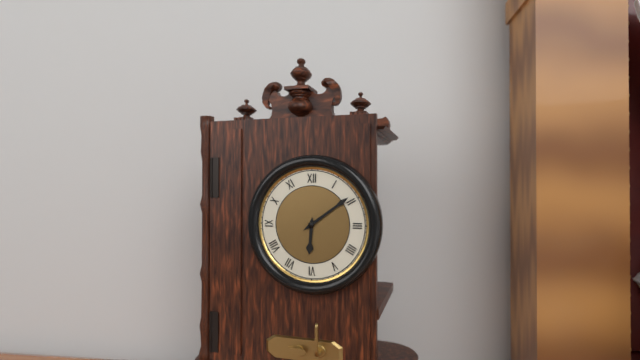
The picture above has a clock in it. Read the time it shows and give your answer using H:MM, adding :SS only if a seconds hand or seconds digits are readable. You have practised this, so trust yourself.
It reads 6:09
